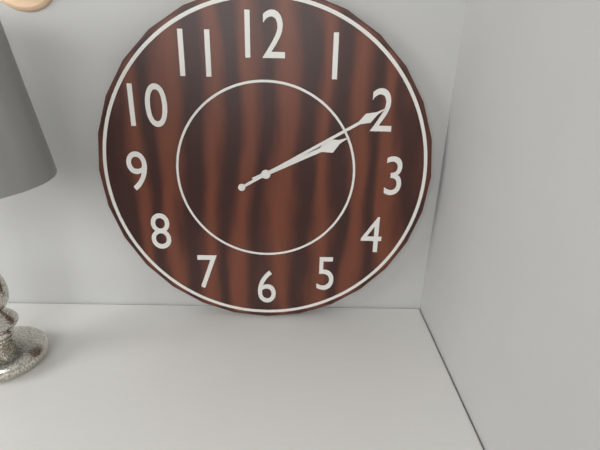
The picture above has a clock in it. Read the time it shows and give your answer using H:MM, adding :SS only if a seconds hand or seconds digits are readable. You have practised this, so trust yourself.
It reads 2:10
